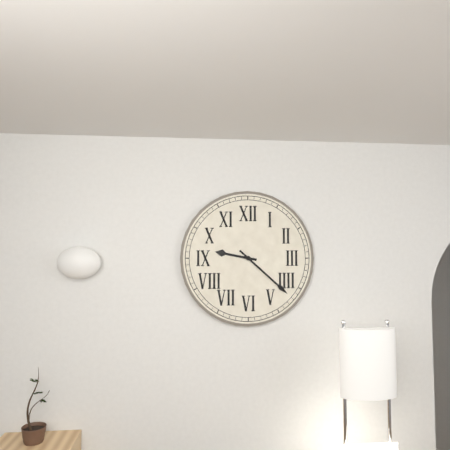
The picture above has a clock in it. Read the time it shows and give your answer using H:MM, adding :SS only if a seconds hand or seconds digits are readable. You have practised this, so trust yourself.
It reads 9:22
